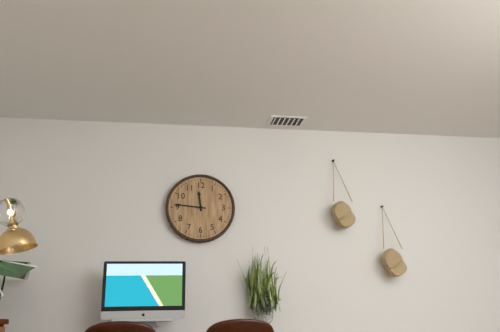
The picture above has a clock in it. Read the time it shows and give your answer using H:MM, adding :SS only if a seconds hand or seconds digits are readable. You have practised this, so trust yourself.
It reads 11:46
